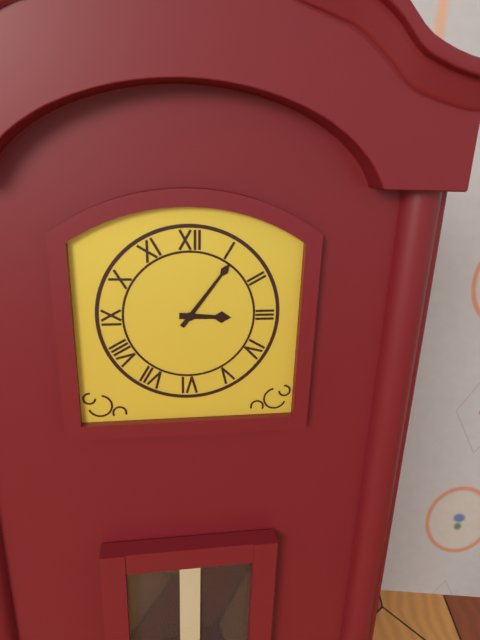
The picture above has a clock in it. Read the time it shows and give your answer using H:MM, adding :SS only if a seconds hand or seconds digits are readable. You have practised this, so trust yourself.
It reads 3:06
